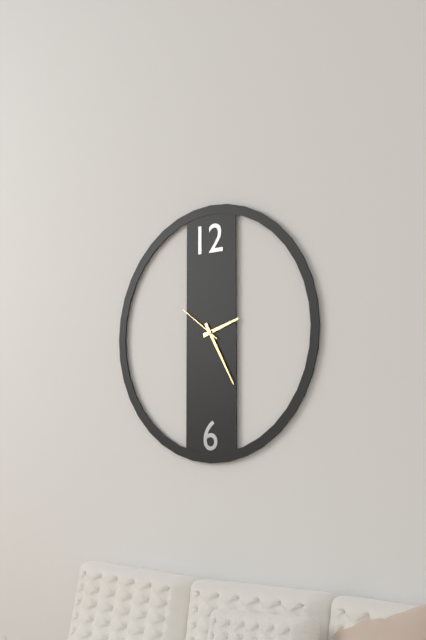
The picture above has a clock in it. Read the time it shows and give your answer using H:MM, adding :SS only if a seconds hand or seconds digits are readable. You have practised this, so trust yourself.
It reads 2:25
